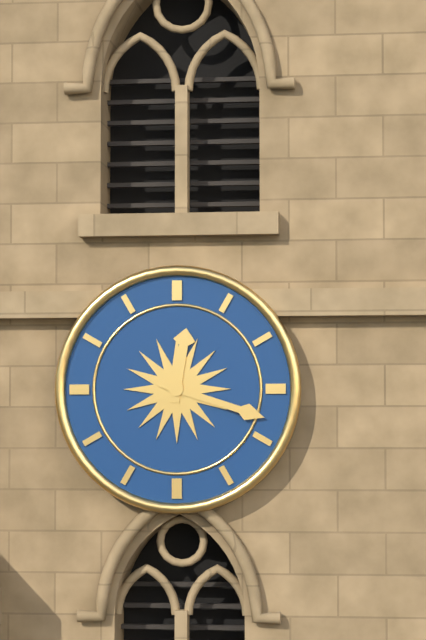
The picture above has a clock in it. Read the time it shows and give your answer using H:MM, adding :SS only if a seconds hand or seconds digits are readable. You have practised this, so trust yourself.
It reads 12:18
